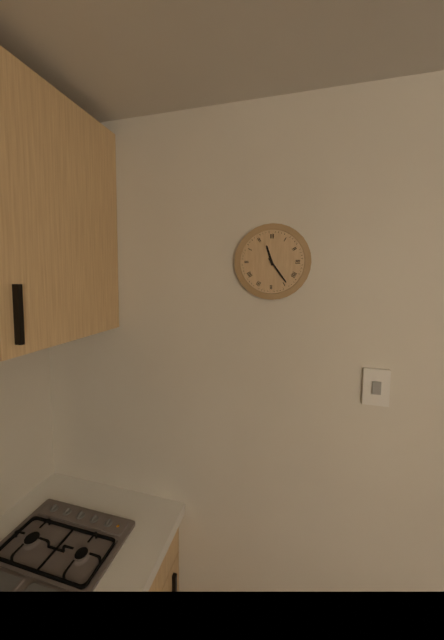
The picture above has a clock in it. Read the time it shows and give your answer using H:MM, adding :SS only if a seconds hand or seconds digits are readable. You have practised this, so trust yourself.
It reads 11:24
